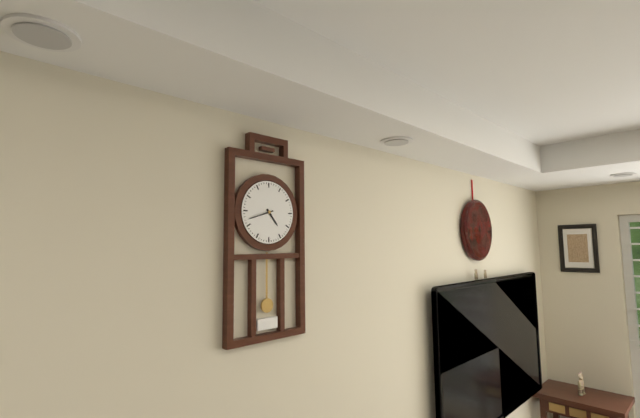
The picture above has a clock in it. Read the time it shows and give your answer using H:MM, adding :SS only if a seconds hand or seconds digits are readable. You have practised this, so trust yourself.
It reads 4:42
